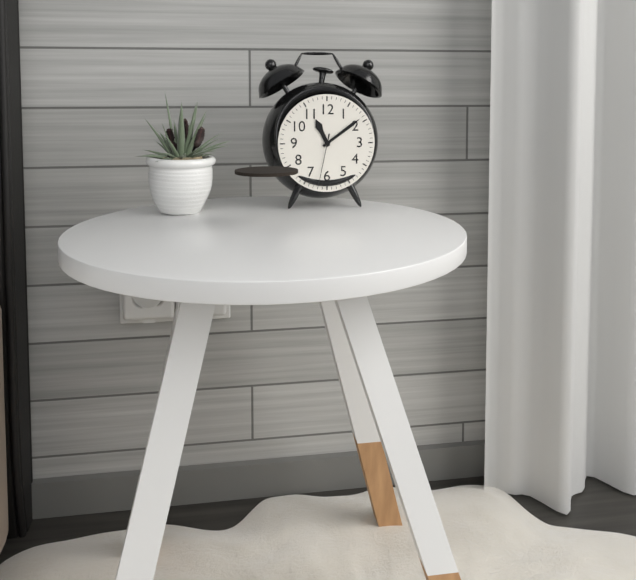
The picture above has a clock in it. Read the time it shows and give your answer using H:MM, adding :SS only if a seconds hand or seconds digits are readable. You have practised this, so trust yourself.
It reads 11:09:32
